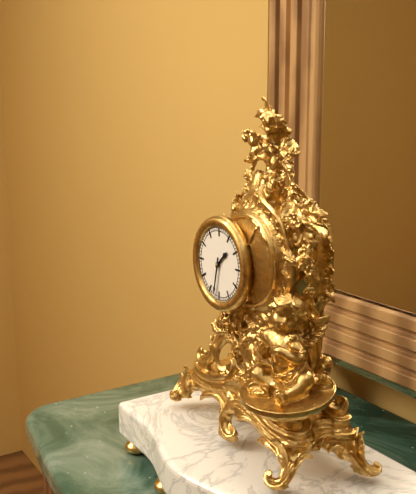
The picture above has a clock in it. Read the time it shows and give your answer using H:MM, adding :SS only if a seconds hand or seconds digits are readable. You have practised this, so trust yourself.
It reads 1:32
